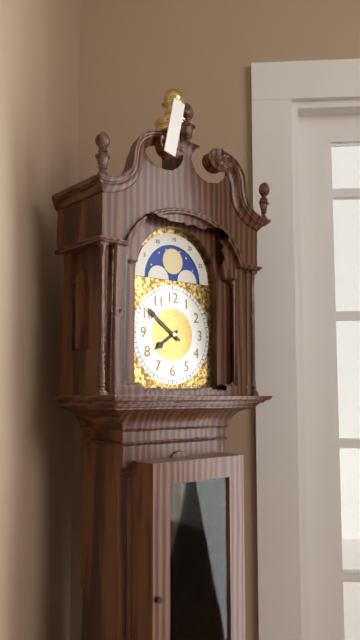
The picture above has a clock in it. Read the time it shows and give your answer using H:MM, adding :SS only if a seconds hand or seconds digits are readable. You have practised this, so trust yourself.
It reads 7:51
